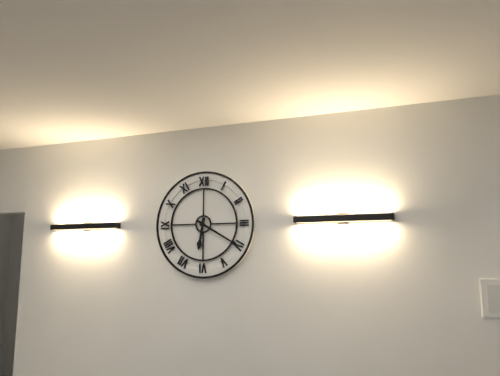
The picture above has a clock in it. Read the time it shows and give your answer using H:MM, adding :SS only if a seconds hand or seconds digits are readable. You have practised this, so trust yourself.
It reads 6:20
